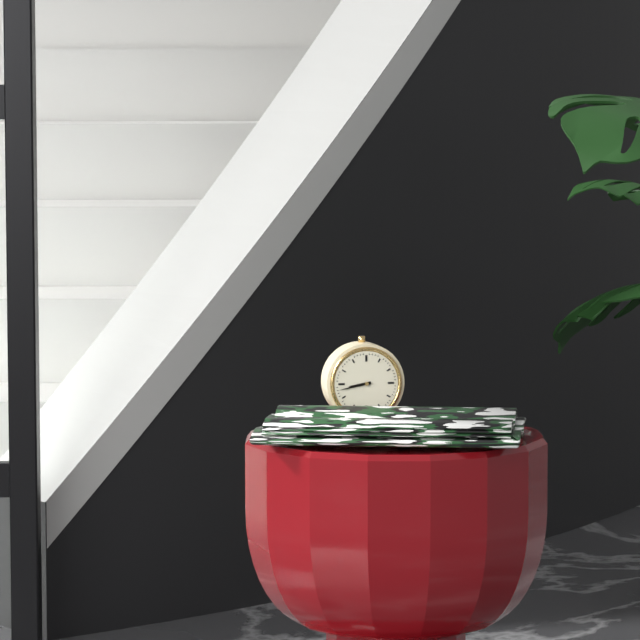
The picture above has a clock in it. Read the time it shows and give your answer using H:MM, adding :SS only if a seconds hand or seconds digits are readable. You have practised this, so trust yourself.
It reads 8:43
